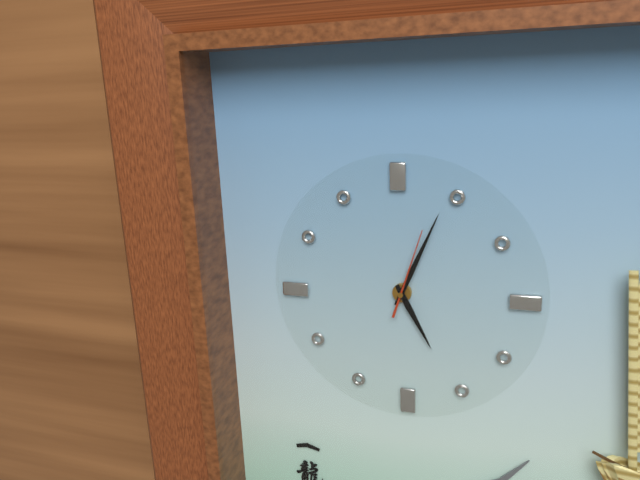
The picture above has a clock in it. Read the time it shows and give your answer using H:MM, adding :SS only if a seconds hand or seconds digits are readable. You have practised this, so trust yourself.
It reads 5:04:03
